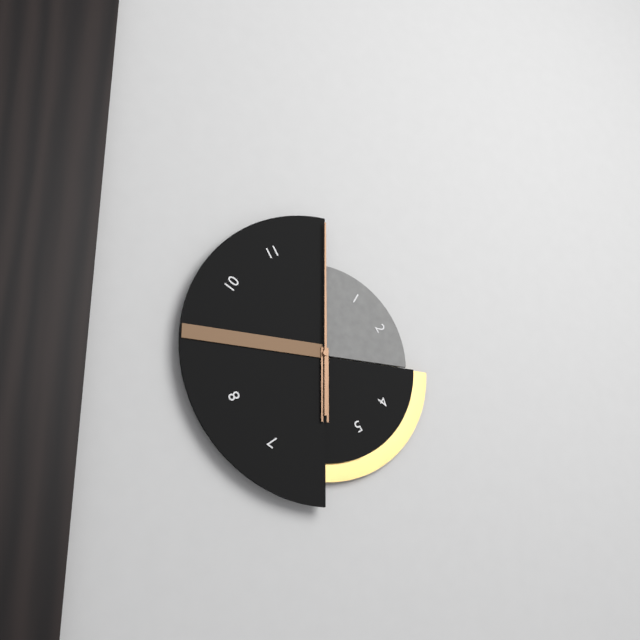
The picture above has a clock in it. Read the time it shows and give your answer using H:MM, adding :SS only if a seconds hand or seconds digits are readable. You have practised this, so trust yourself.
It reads 6:00
